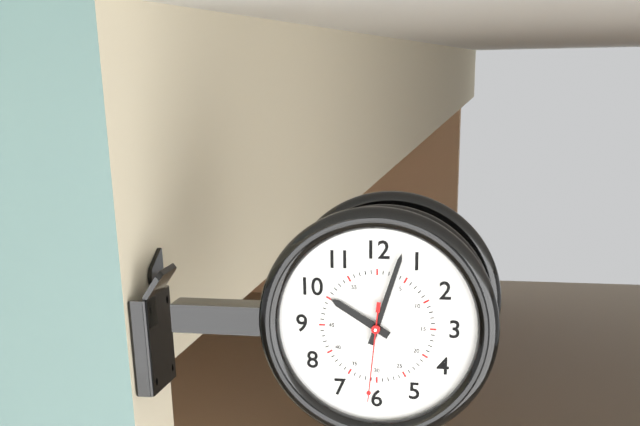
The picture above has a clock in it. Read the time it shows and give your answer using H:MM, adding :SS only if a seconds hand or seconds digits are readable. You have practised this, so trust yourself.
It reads 10:03:31
